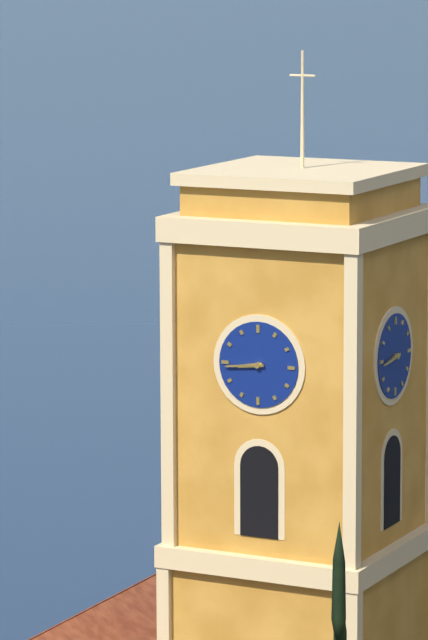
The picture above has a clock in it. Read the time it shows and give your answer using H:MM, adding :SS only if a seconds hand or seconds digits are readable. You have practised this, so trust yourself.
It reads 8:44
